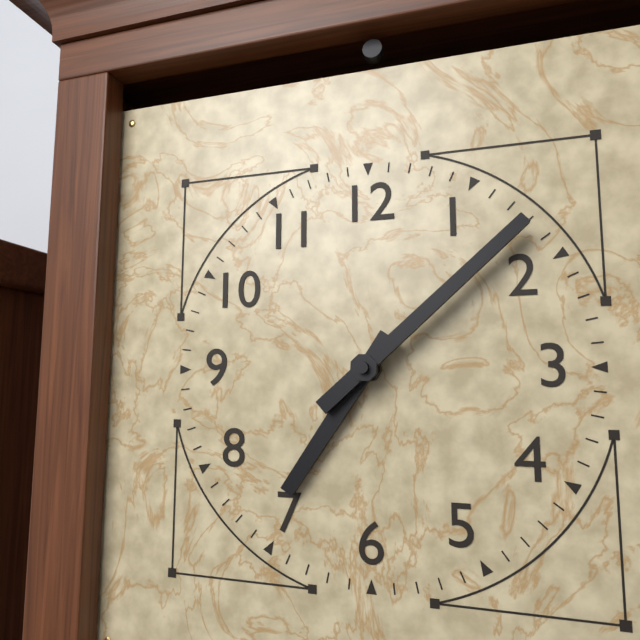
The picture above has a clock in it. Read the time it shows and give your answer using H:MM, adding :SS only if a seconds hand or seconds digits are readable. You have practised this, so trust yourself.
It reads 7:08
